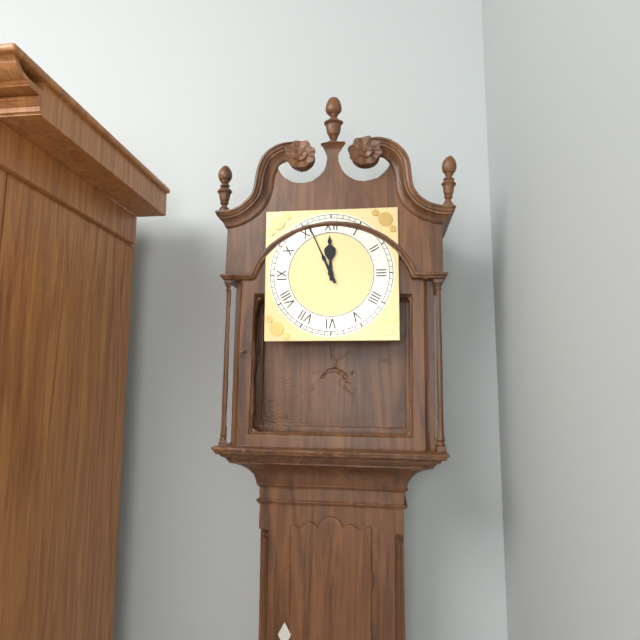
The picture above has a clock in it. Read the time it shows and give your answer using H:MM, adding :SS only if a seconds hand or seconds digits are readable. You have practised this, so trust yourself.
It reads 11:56
